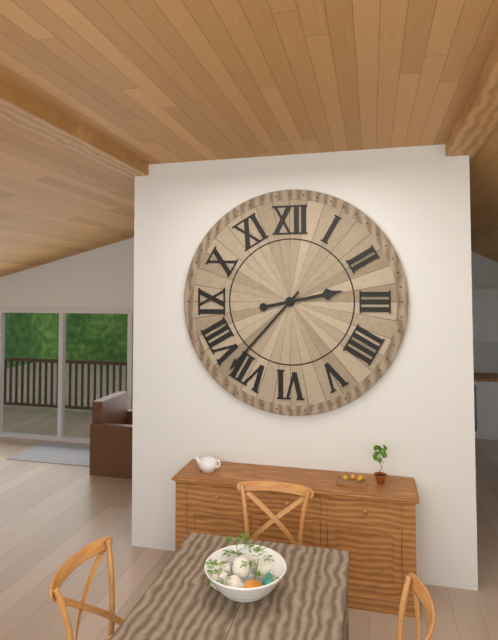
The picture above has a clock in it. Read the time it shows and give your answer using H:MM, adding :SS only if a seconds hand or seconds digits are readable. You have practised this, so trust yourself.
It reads 2:37
